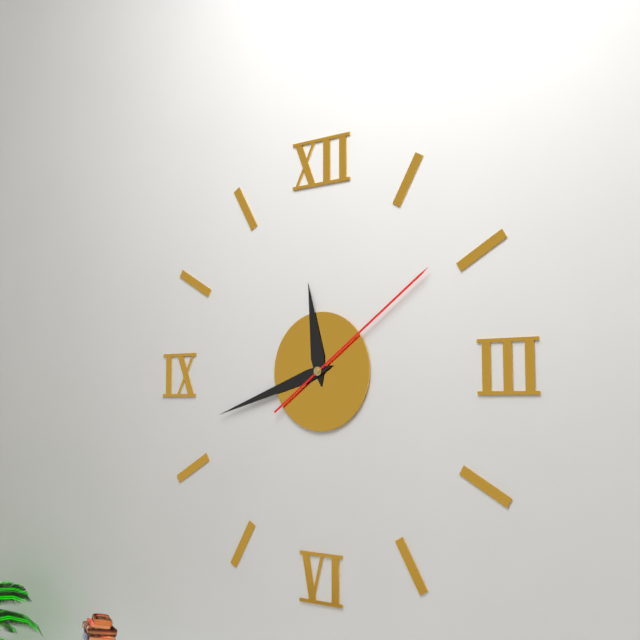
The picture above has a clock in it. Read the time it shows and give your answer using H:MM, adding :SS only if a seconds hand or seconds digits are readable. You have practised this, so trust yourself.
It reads 11:42:09
